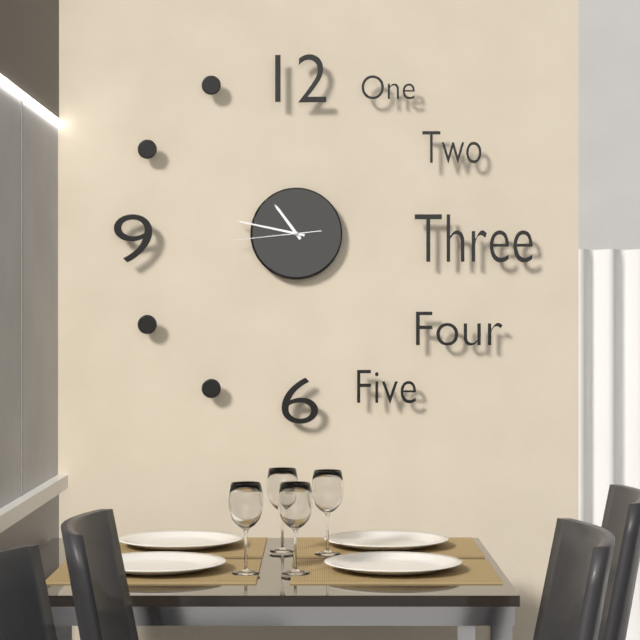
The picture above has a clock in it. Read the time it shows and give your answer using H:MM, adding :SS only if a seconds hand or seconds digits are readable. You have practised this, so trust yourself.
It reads 10:47:44
